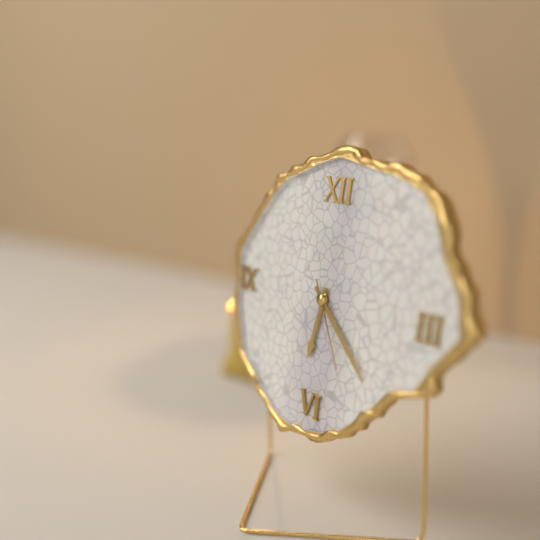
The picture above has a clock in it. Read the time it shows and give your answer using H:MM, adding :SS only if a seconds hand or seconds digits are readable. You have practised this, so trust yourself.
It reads 6:22:25
